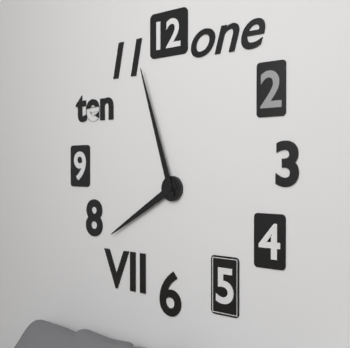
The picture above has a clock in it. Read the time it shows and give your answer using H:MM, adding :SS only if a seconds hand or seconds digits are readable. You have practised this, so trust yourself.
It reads 7:57
